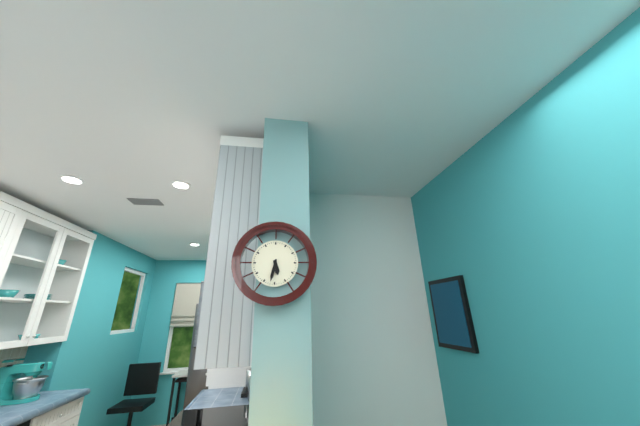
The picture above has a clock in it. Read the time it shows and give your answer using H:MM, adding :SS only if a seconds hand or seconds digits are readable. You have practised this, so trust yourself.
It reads 5:32
